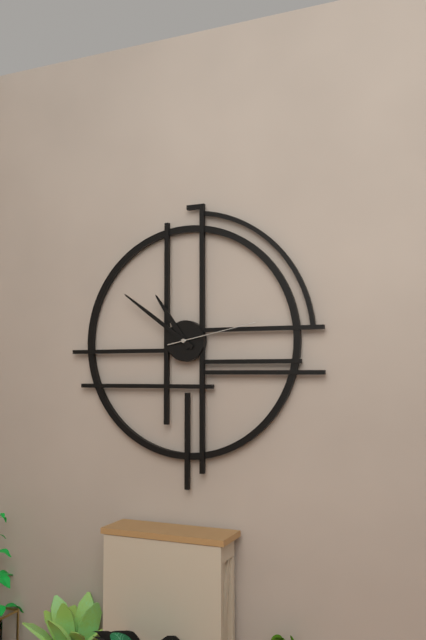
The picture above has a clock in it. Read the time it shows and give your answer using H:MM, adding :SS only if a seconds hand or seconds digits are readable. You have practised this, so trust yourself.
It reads 10:51:13
